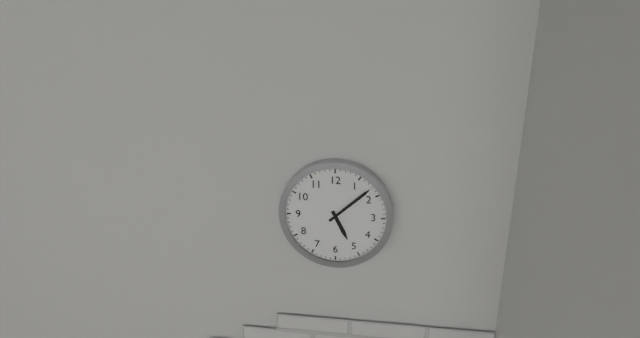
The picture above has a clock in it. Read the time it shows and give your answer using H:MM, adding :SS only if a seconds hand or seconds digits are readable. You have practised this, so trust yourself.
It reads 5:08
